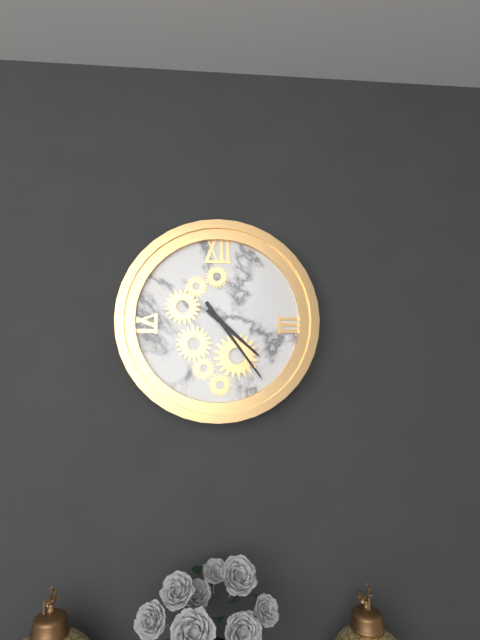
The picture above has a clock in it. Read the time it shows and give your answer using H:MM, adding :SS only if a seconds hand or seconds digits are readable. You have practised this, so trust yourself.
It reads 4:24
